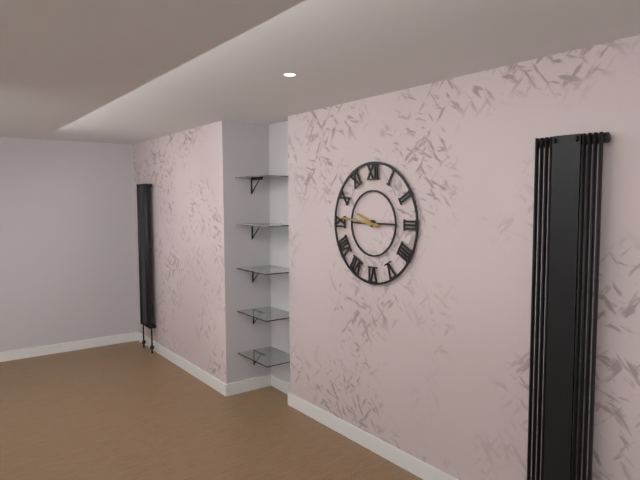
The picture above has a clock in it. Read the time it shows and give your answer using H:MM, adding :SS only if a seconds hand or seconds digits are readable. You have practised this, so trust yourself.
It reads 9:46
